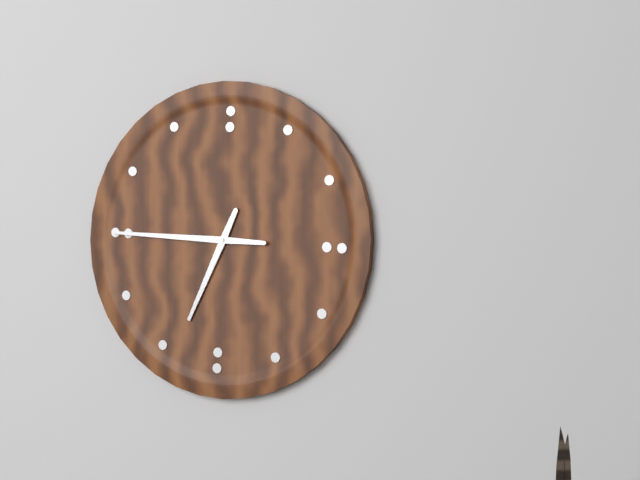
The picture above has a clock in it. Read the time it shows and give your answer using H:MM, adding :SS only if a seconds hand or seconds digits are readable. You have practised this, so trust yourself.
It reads 6:45
